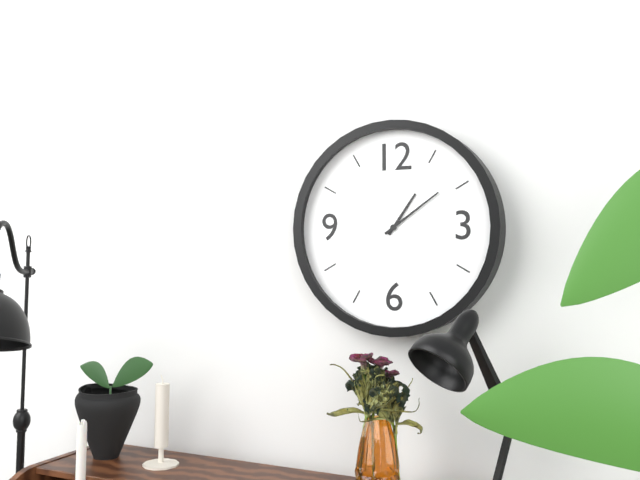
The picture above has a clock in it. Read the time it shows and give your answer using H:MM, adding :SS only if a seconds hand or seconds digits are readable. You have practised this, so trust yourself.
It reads 1:09
